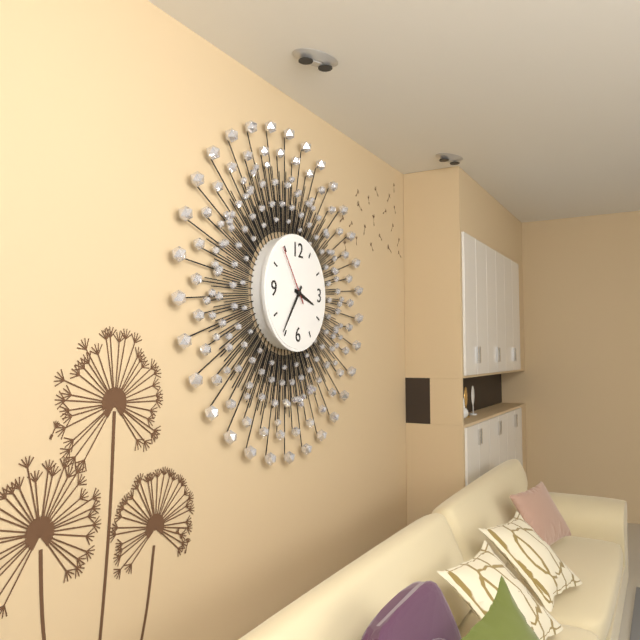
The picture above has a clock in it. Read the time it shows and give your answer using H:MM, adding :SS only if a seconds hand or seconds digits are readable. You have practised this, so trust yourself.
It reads 3:36:54
